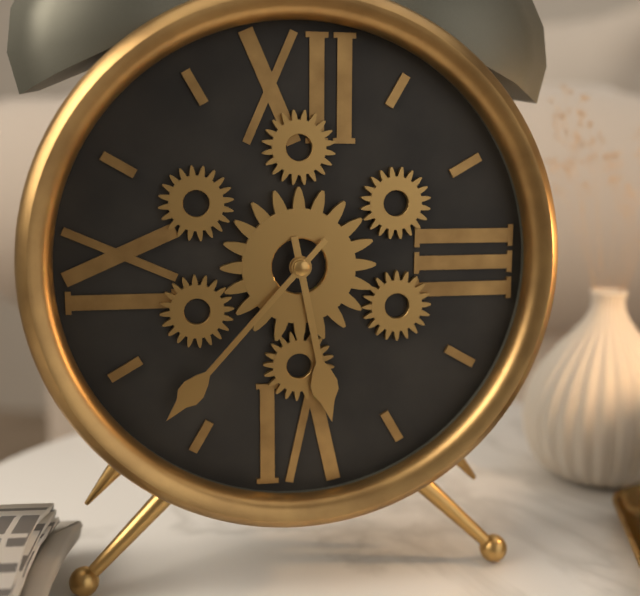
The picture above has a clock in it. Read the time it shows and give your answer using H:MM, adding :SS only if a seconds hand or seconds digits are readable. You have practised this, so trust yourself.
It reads 5:37
